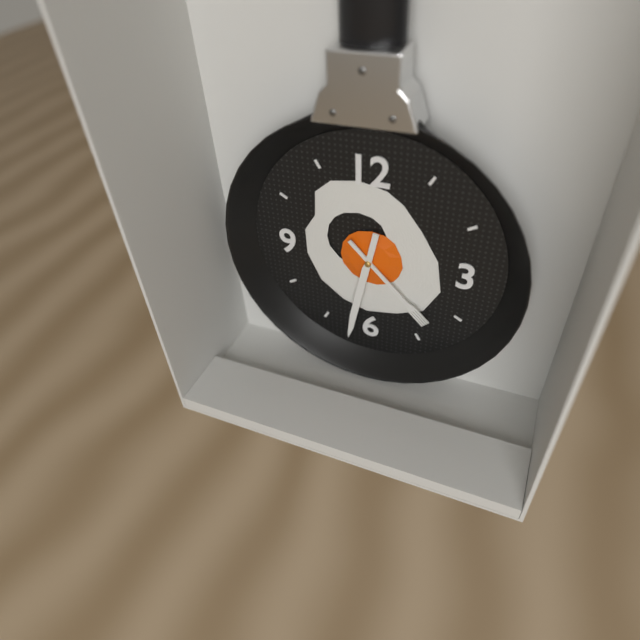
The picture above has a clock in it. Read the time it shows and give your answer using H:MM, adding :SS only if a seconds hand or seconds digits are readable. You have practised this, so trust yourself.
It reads 4:32
